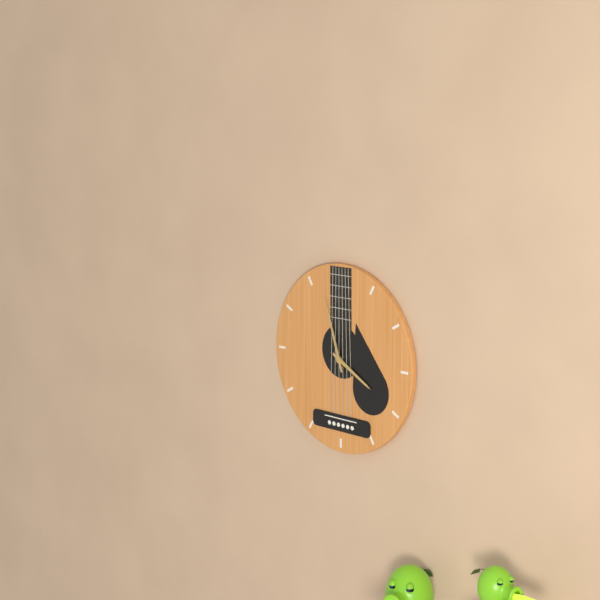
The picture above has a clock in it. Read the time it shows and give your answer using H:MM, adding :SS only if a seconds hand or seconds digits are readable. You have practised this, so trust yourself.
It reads 3:57
